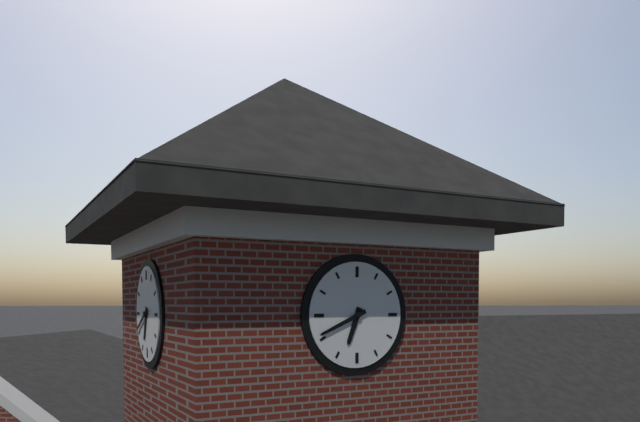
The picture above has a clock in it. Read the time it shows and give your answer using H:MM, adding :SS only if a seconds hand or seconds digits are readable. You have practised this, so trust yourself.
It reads 6:41
